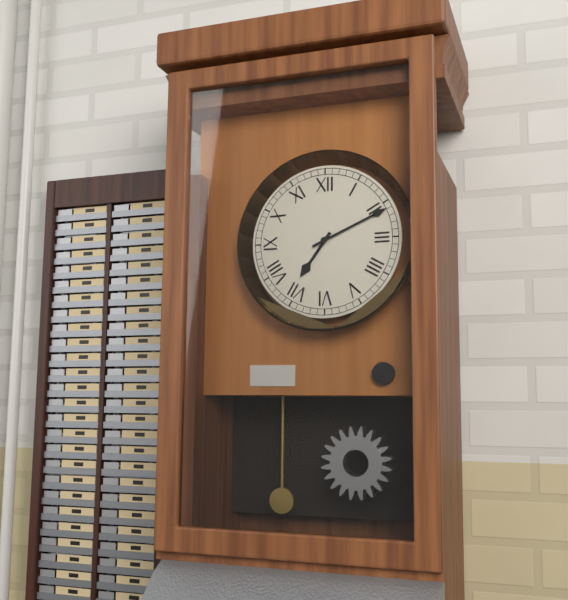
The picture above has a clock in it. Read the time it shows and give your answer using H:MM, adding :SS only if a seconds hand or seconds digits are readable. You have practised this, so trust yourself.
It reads 7:11
